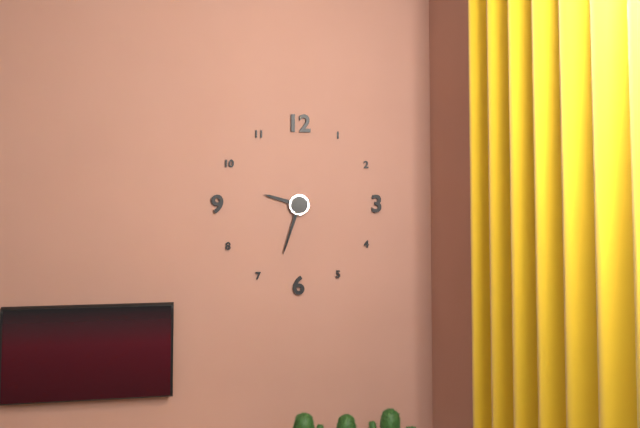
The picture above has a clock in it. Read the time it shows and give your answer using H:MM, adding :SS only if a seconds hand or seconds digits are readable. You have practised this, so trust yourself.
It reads 9:33
